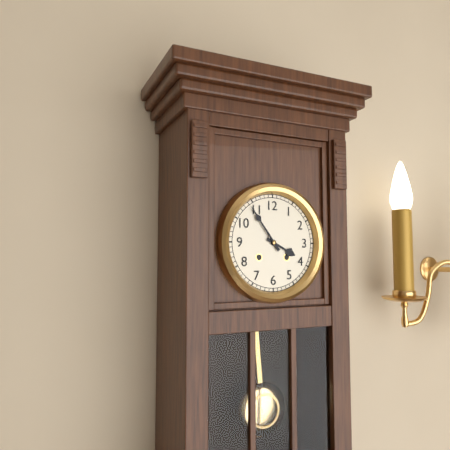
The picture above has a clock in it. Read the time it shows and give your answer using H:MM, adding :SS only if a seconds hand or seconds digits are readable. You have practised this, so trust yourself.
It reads 3:54
